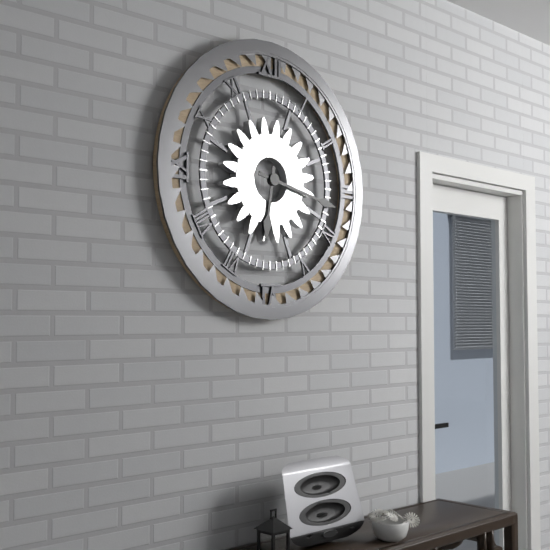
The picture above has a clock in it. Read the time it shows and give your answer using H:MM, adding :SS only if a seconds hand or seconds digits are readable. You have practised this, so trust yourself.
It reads 6:17
